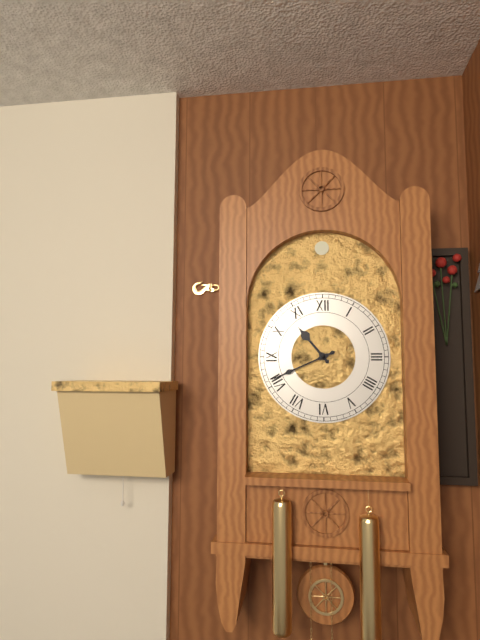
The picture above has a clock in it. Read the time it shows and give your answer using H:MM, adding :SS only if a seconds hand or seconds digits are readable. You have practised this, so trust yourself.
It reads 10:41
